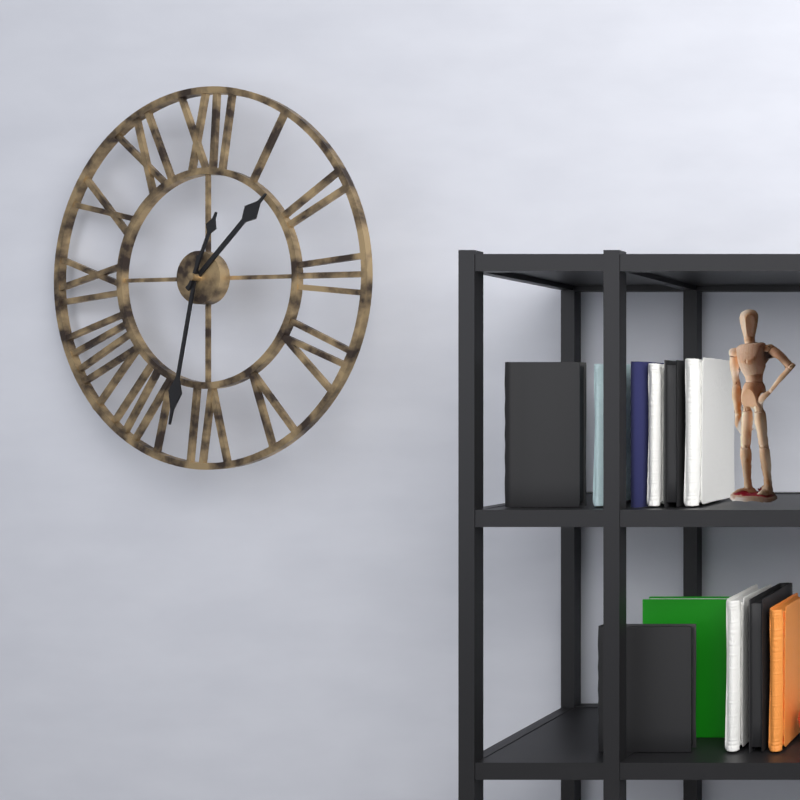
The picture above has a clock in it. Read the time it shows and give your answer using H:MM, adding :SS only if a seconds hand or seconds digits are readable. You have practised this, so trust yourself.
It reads 1:32:04
